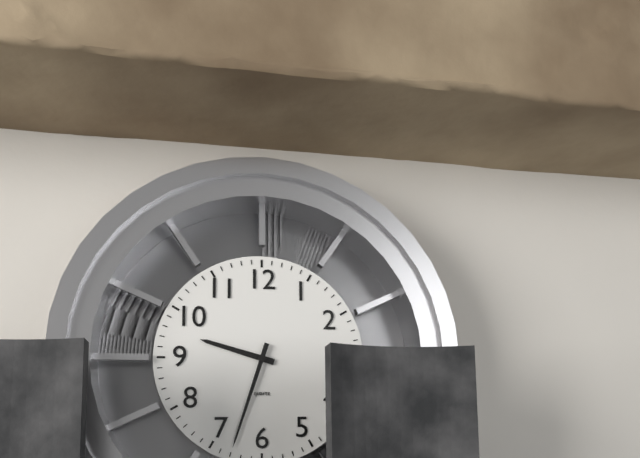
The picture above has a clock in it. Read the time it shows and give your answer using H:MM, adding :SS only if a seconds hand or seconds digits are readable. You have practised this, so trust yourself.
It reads 9:33
